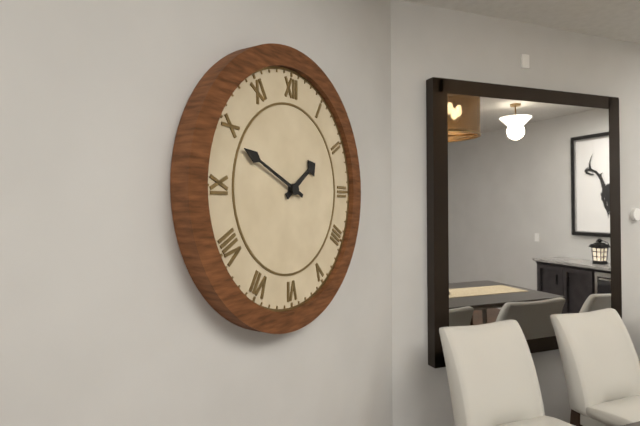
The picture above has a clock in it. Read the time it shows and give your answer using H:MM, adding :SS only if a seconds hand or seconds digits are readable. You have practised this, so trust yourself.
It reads 1:49
